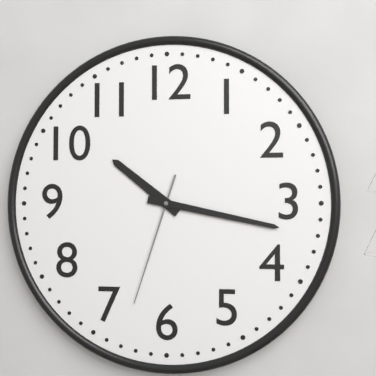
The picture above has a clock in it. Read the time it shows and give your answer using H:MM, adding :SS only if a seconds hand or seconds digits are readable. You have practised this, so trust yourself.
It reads 10:17:33
